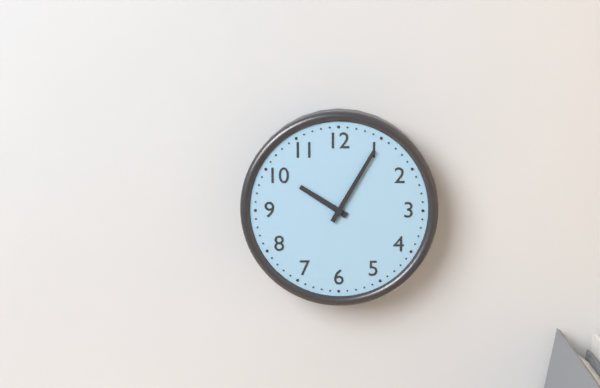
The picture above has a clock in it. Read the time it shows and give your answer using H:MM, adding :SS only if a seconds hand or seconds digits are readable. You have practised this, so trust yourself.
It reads 10:05
